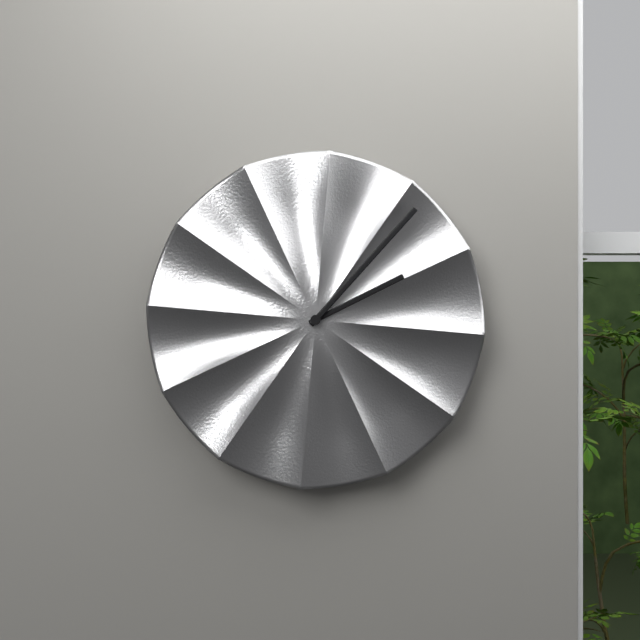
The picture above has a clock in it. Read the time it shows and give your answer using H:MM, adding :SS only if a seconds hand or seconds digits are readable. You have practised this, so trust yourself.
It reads 2:07
